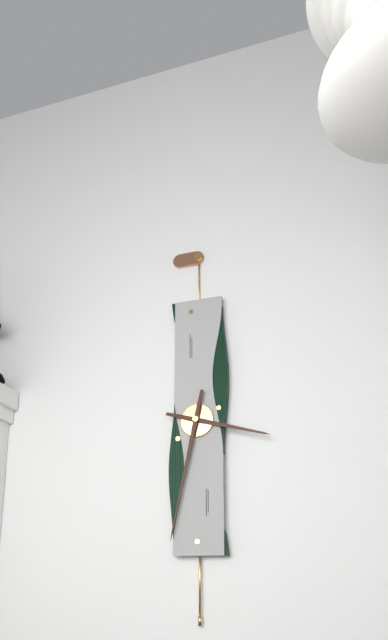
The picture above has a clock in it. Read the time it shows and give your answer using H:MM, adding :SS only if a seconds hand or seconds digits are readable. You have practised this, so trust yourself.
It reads 3:32
